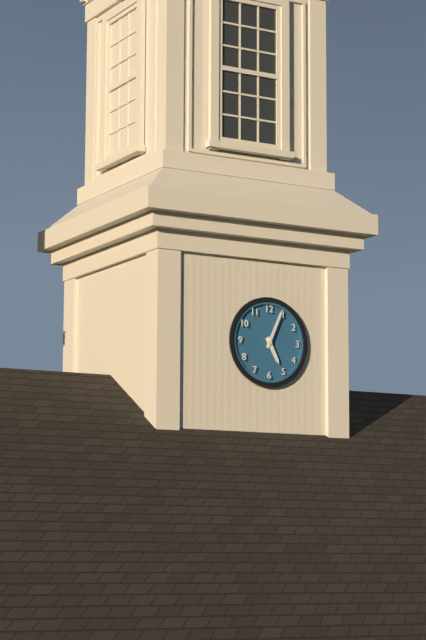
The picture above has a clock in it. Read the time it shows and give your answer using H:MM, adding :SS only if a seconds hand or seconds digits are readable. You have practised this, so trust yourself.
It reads 5:04
